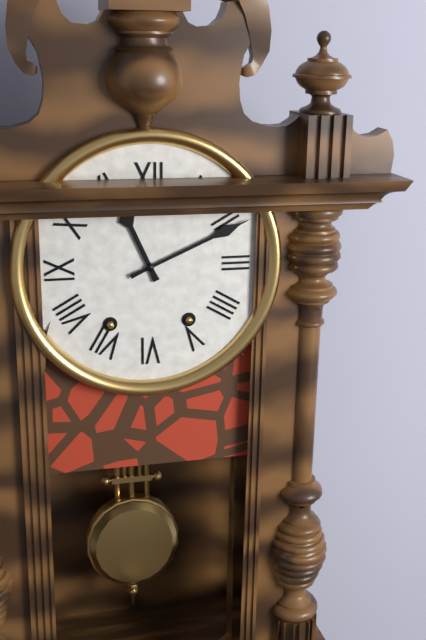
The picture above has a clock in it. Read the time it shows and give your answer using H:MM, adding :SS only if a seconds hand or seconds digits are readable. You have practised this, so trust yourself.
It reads 11:11
